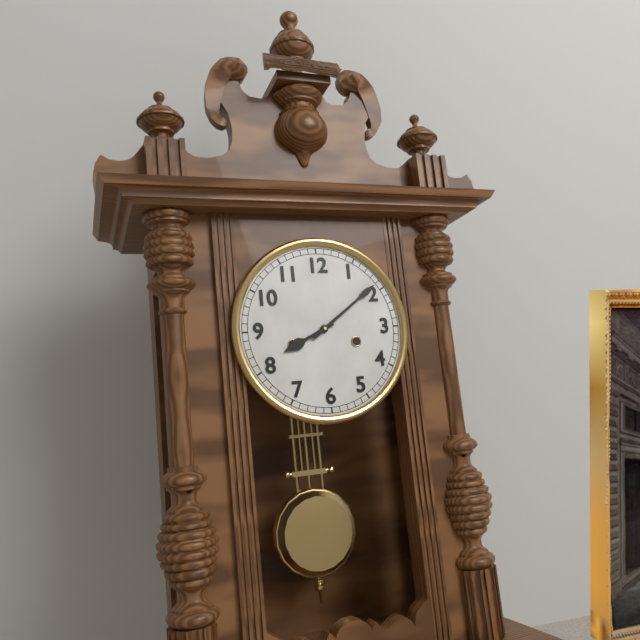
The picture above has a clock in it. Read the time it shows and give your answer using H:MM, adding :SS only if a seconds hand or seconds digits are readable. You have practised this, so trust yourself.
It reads 8:09
